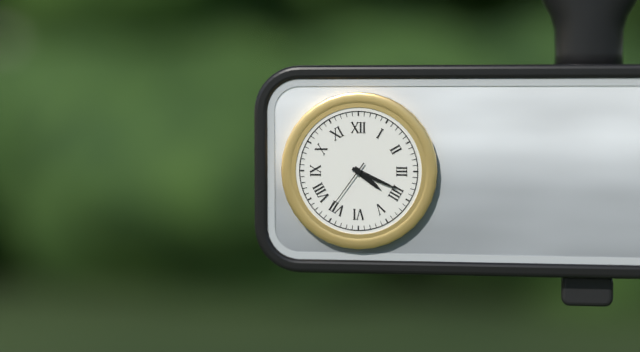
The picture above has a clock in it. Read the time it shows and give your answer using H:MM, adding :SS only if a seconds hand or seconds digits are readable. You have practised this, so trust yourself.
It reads 4:19:36
